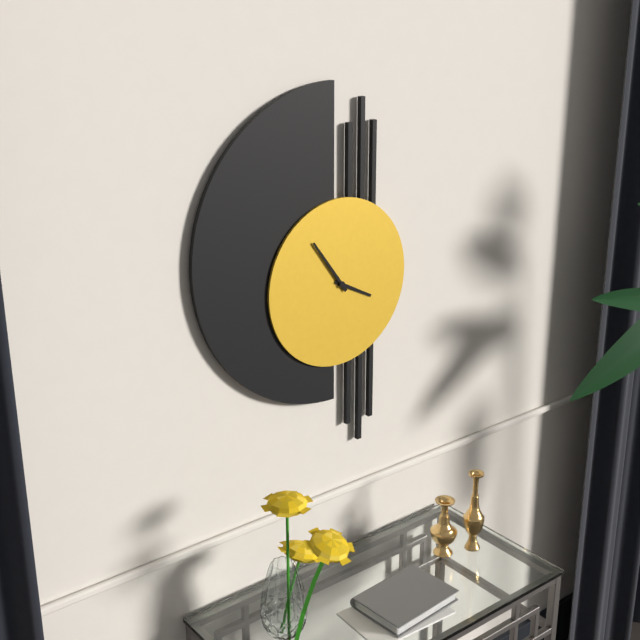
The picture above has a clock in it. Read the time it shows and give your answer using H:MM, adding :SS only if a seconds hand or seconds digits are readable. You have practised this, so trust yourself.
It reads 3:54
